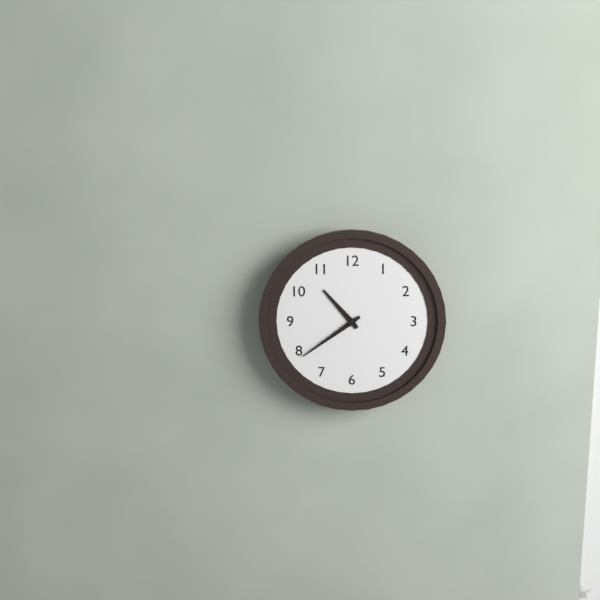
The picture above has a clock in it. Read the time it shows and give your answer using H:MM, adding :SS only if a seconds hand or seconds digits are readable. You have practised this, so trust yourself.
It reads 10:39
